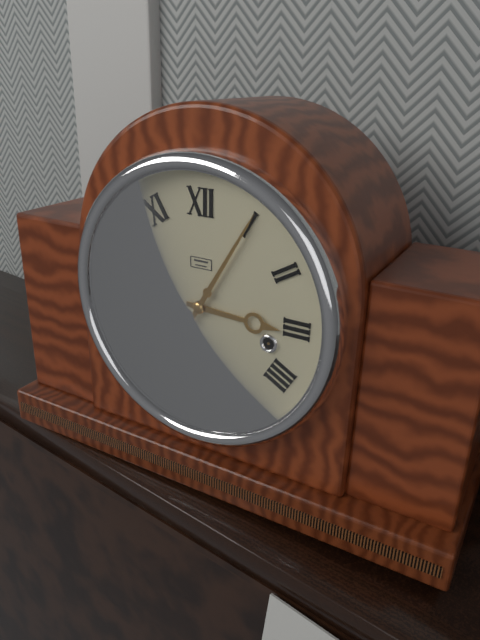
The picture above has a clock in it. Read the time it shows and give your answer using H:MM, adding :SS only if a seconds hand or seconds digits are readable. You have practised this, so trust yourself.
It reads 3:05
